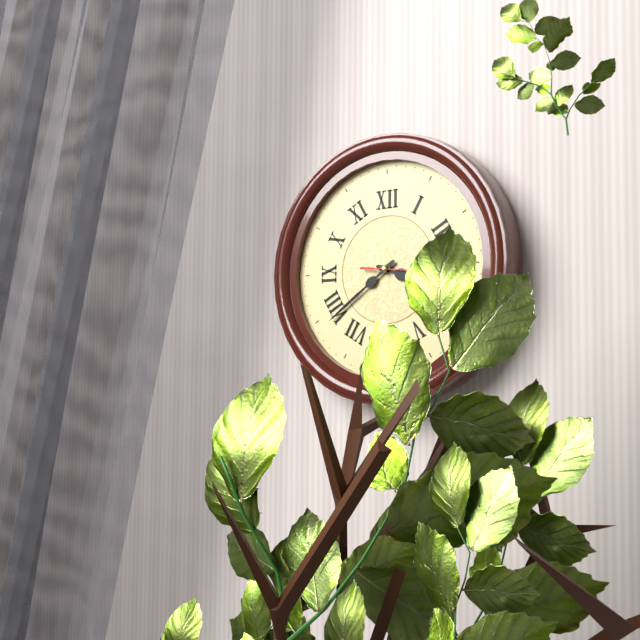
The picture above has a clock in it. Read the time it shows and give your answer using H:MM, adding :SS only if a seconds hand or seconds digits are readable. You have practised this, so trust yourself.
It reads 3:39:16
